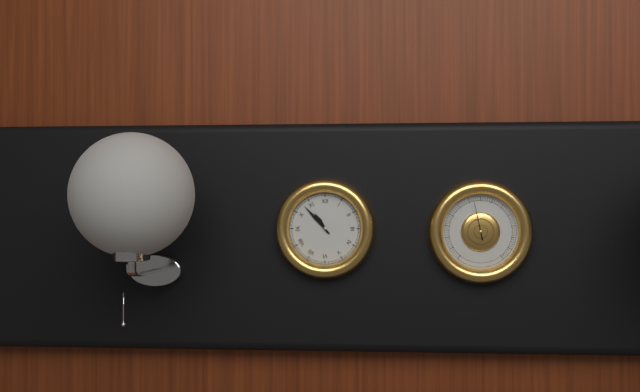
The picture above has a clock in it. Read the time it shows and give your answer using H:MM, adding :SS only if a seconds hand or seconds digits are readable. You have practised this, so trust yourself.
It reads 10:53
